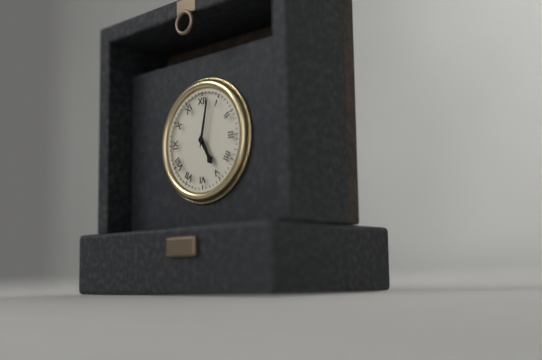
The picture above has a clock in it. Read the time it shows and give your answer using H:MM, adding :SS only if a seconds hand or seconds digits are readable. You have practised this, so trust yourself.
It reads 5:02
